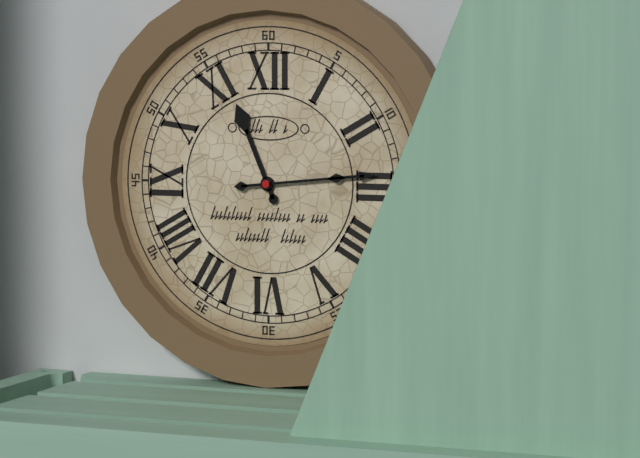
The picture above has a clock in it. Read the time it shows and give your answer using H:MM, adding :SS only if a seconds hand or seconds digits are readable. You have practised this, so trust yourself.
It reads 11:14
